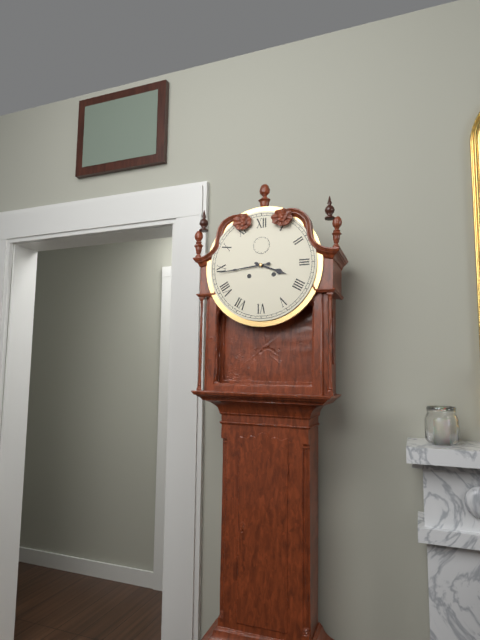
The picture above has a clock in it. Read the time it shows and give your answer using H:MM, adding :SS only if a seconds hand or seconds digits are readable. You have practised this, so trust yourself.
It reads 3:44
